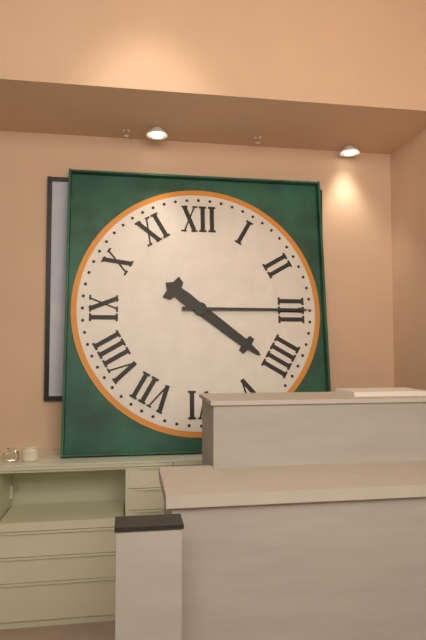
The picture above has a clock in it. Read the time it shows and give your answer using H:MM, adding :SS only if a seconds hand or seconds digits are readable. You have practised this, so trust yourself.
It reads 4:15
